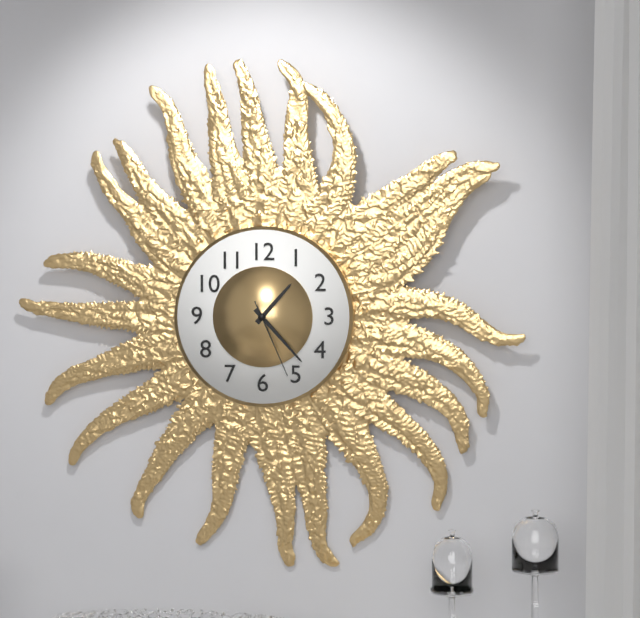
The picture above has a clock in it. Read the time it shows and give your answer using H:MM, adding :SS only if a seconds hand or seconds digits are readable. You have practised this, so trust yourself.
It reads 1:23:26
